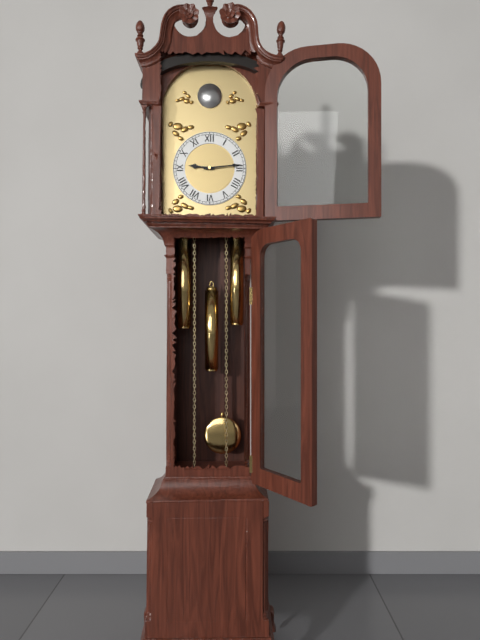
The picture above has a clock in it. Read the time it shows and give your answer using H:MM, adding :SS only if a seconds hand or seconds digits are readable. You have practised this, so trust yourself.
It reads 9:14
